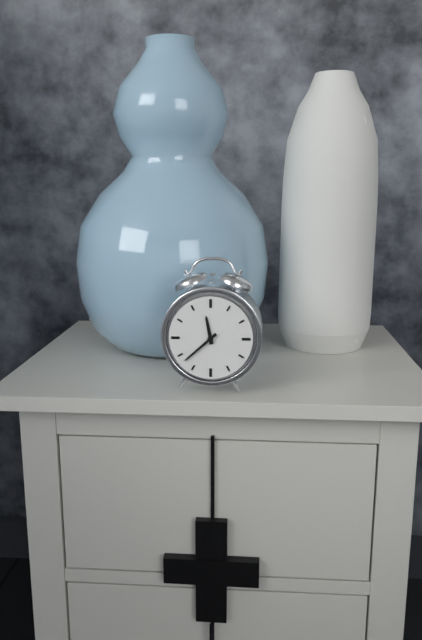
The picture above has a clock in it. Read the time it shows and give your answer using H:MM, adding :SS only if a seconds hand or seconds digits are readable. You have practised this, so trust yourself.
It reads 11:38
